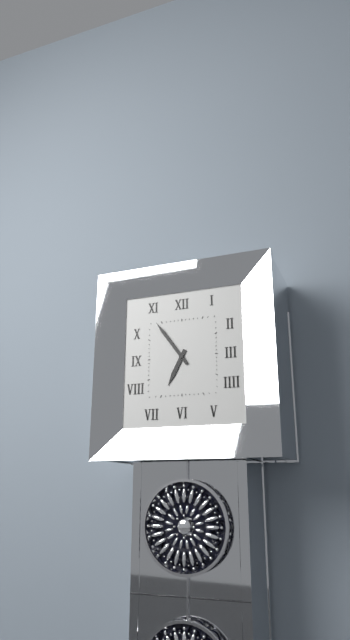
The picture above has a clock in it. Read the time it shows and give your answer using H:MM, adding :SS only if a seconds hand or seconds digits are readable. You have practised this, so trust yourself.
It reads 6:54
